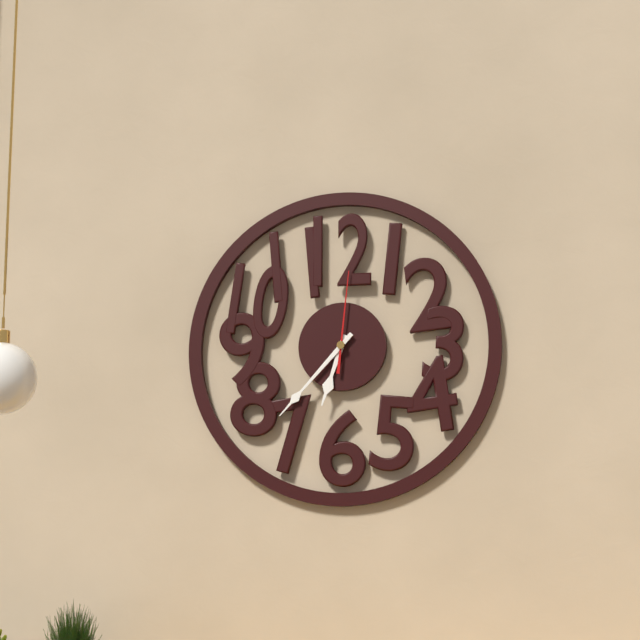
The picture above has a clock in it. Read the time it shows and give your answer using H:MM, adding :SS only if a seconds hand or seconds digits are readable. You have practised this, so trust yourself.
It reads 6:37:01
